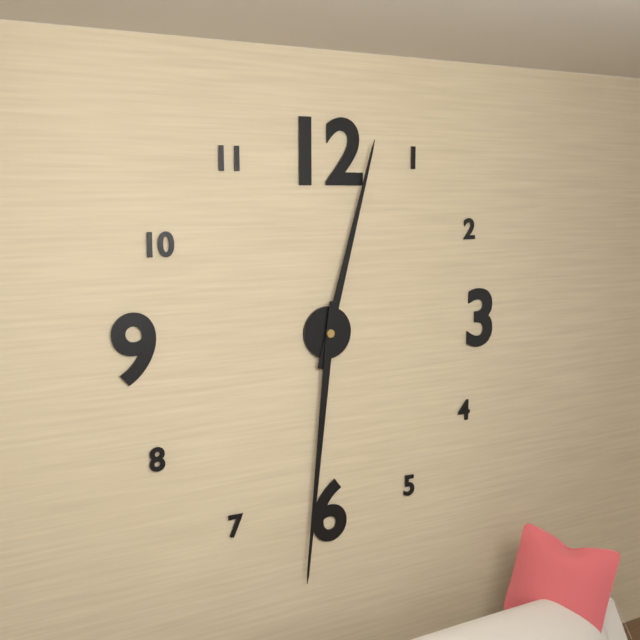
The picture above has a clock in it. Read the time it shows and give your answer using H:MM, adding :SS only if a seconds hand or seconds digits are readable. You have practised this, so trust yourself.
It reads 12:31
